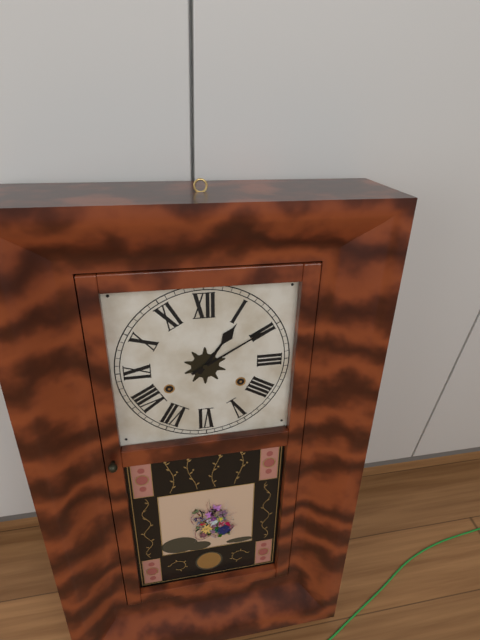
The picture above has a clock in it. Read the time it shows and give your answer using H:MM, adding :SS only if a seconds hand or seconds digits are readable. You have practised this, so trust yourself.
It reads 1:10
